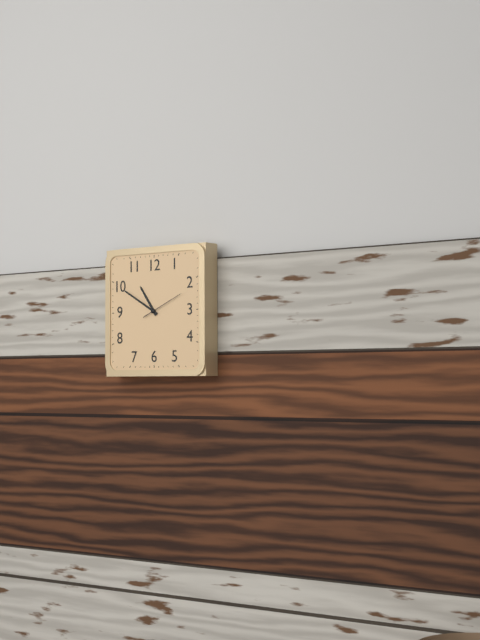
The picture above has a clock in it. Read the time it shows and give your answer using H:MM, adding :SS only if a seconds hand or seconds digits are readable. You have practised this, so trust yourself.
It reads 10:50
